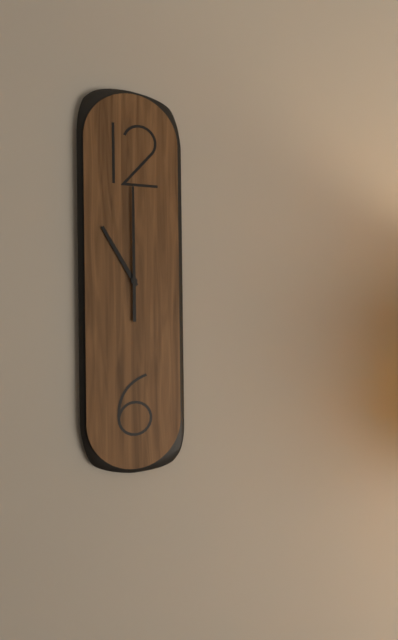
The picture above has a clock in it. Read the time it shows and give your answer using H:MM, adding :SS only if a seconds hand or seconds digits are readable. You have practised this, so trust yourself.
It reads 11:00
